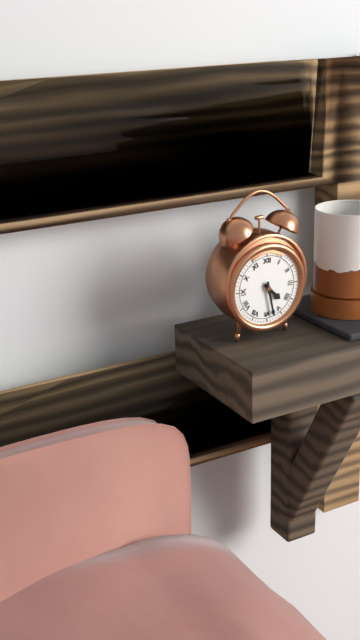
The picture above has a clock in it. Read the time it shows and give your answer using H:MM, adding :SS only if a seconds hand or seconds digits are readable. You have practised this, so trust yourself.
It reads 4:28
